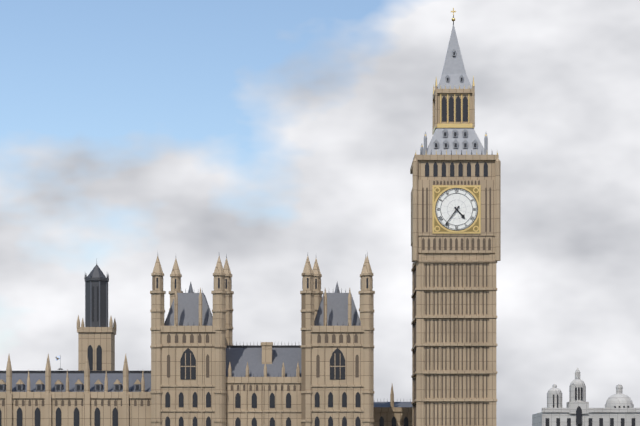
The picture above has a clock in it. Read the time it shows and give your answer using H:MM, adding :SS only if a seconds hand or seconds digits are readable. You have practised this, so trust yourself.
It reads 4:36
